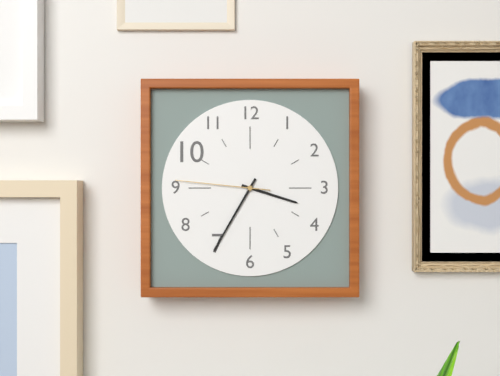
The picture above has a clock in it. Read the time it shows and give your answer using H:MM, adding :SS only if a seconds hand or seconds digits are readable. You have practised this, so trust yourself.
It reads 3:35:46
